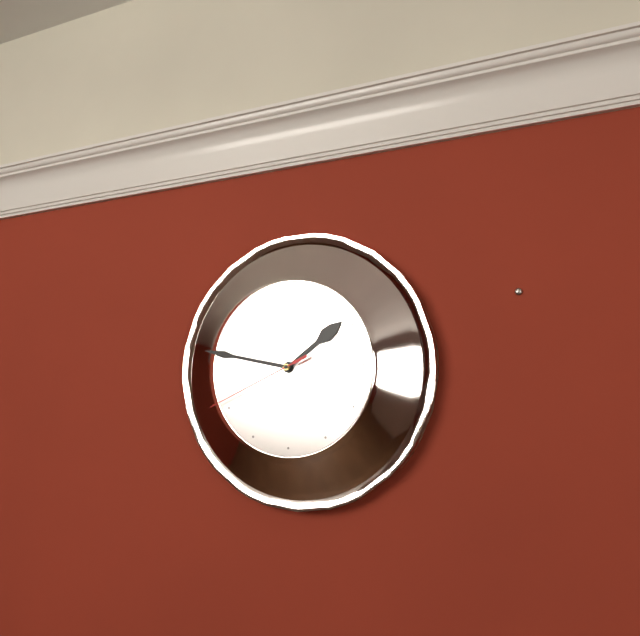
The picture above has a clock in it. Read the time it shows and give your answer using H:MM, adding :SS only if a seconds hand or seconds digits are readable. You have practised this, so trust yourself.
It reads 1:47:41
